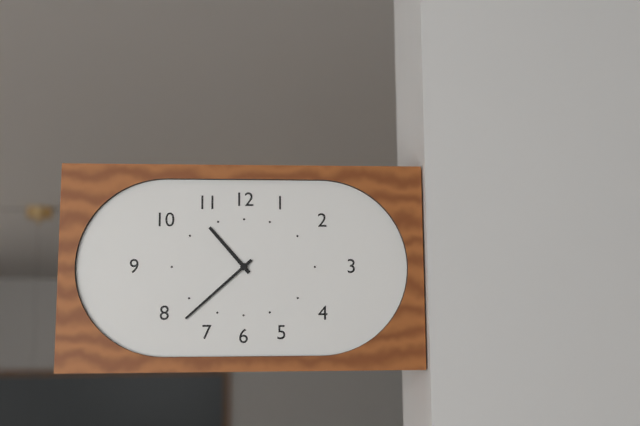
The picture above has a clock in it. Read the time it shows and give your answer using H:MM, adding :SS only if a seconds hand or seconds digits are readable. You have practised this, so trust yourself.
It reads 10:38
